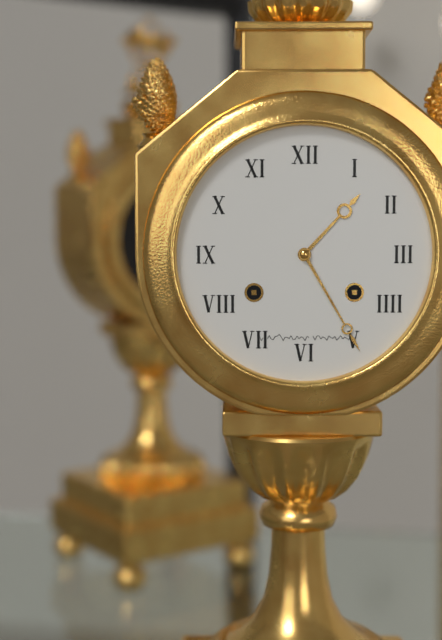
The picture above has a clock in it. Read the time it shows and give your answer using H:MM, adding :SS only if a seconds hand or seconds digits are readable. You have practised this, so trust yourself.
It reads 1:25
